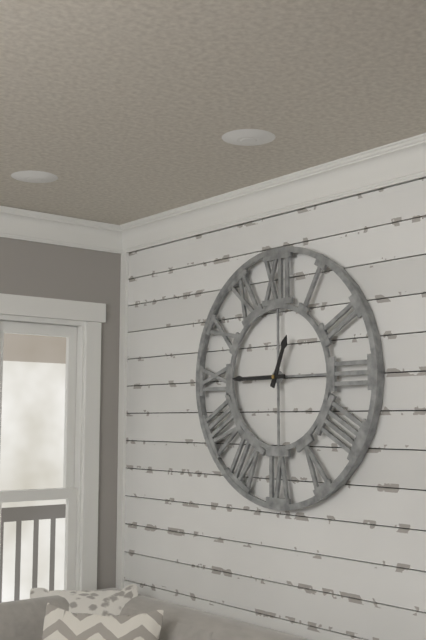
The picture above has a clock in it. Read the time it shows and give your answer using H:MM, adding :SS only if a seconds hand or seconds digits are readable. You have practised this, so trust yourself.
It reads 12:45
